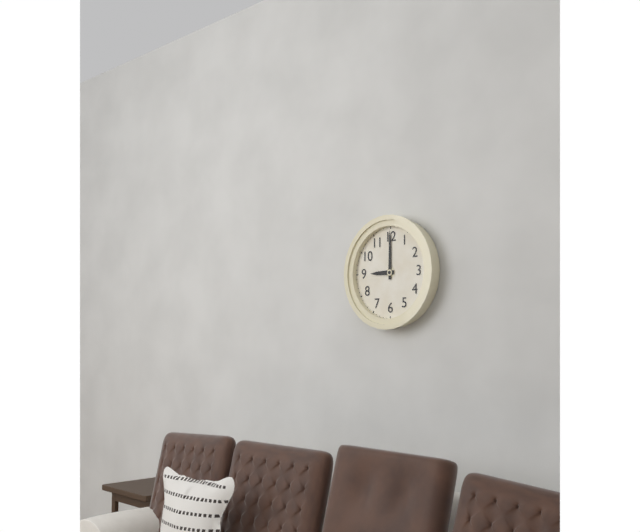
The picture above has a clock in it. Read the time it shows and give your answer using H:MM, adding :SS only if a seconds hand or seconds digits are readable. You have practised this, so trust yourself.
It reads 9:00
